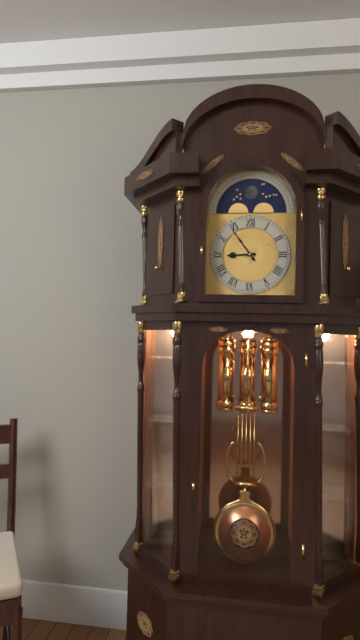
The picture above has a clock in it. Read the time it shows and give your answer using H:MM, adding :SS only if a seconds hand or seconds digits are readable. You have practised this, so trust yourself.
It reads 8:54
